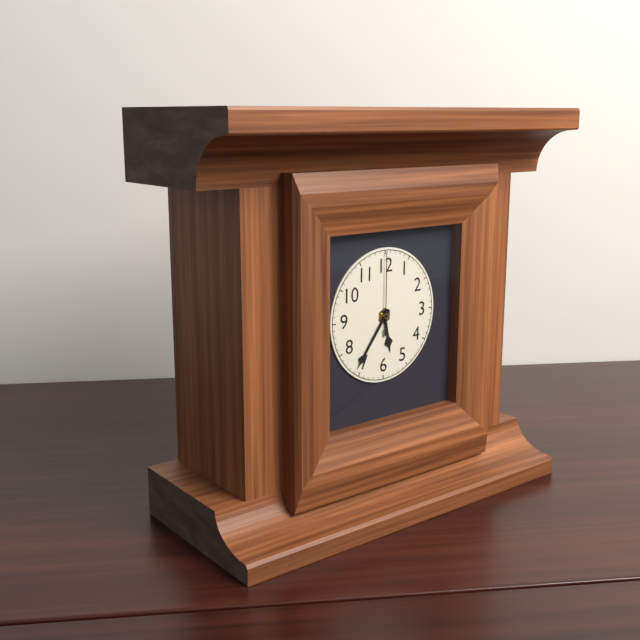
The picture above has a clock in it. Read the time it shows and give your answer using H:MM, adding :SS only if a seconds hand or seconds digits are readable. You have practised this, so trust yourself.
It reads 5:36:00
